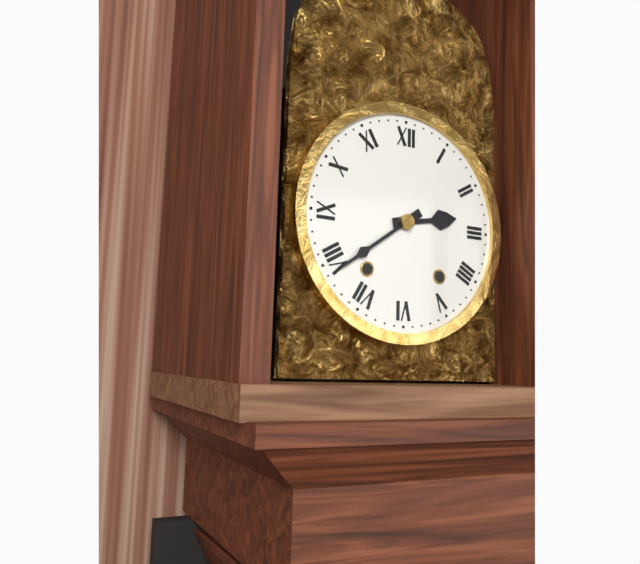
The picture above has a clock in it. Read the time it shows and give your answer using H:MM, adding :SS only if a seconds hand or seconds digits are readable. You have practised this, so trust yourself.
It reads 2:39
